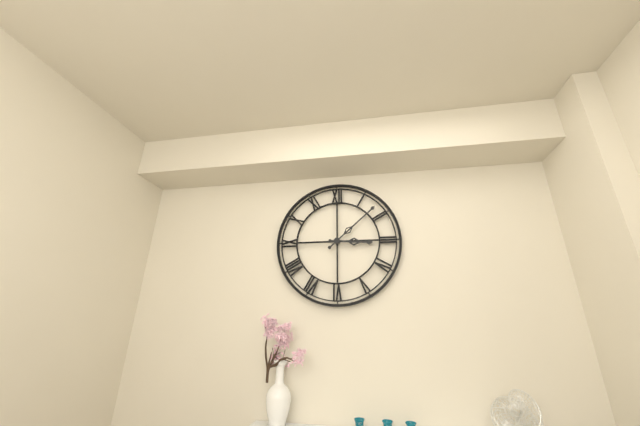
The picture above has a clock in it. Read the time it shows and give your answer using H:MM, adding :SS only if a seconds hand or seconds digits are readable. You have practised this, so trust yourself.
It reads 3:08
